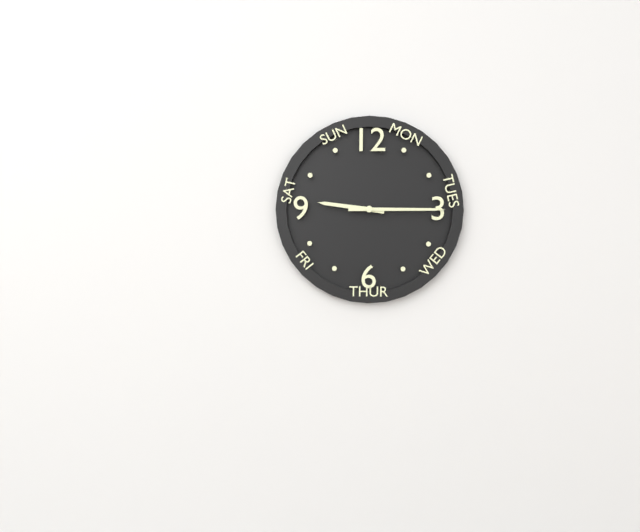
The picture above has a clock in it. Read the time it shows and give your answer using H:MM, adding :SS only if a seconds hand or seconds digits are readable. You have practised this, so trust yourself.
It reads 9:15
